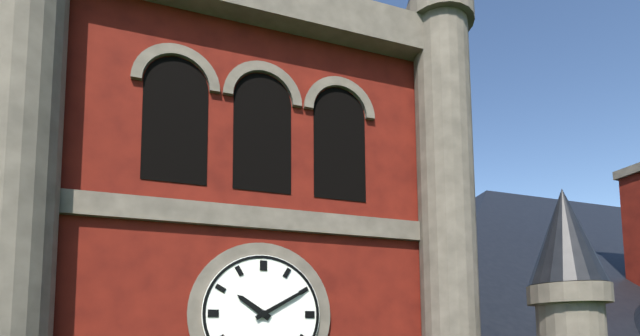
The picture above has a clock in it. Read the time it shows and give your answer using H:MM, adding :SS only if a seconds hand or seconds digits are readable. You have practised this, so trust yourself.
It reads 10:10
